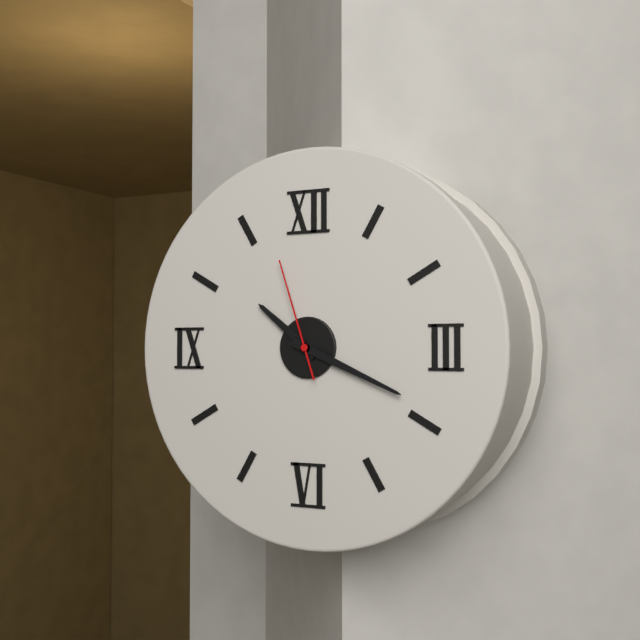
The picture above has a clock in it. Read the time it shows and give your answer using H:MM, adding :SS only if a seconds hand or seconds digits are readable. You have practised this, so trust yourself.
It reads 10:19:57
